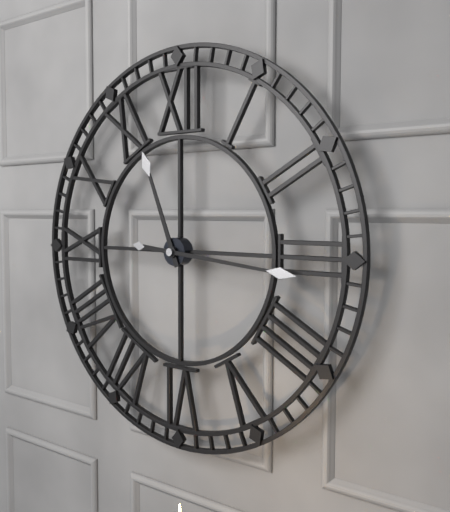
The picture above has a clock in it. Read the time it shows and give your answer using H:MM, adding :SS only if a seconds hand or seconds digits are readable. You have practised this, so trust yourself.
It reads 11:16
